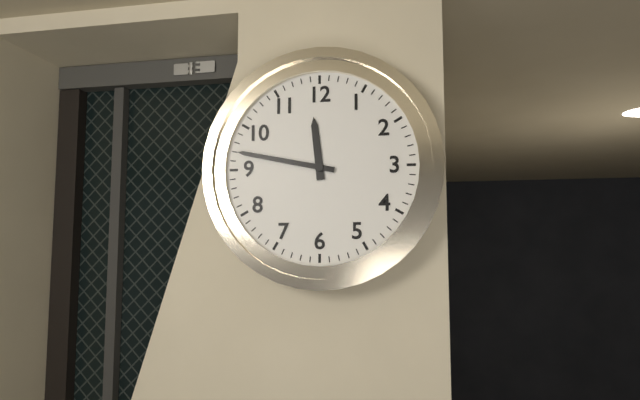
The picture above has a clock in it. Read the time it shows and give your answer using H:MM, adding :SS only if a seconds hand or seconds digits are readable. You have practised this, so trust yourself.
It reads 11:47
